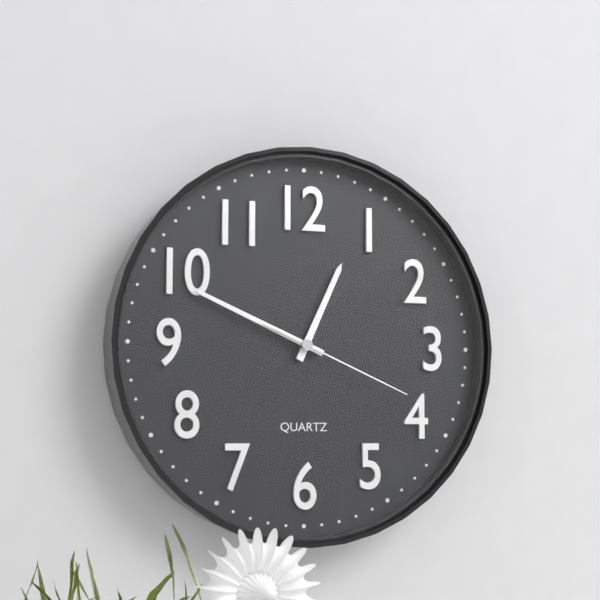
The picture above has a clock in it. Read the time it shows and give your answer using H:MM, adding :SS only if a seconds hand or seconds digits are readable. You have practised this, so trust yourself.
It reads 12:49:19
